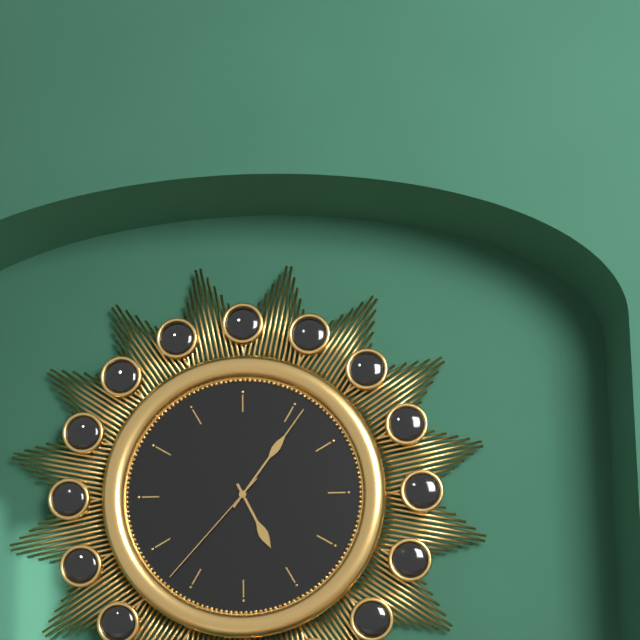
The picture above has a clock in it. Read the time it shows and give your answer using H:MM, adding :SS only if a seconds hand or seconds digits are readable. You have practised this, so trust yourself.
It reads 5:06:37
